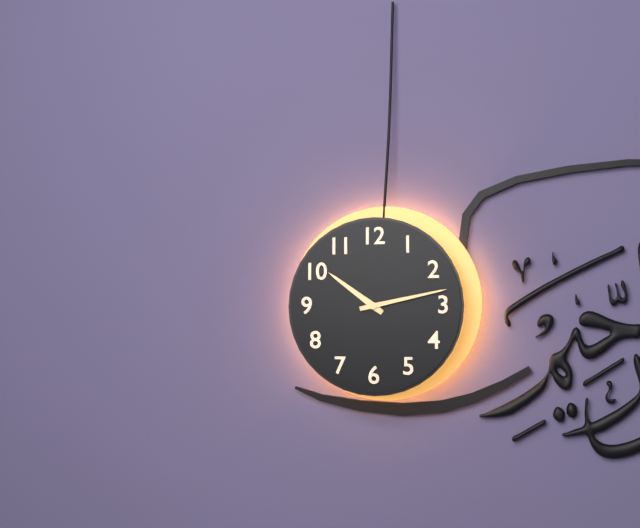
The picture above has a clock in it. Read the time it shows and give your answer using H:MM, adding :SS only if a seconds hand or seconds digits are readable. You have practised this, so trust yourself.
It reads 10:13
